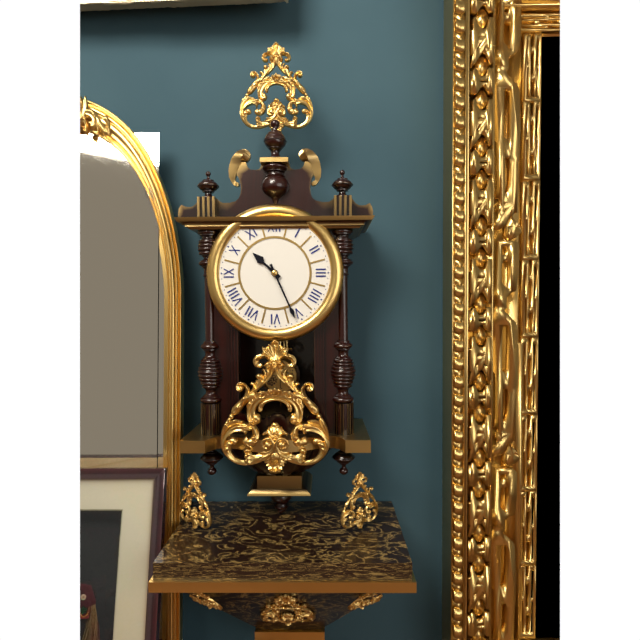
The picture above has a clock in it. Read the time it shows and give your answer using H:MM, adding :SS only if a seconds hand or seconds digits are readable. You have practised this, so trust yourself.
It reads 10:26
